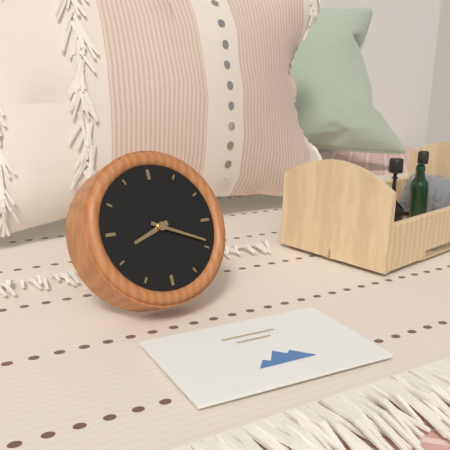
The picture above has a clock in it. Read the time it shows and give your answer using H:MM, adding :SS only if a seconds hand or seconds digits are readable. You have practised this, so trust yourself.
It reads 8:19
